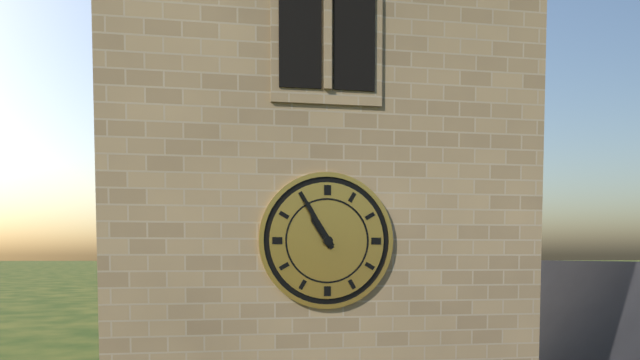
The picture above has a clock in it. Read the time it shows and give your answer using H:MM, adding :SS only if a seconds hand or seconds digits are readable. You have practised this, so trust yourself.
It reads 10:55
